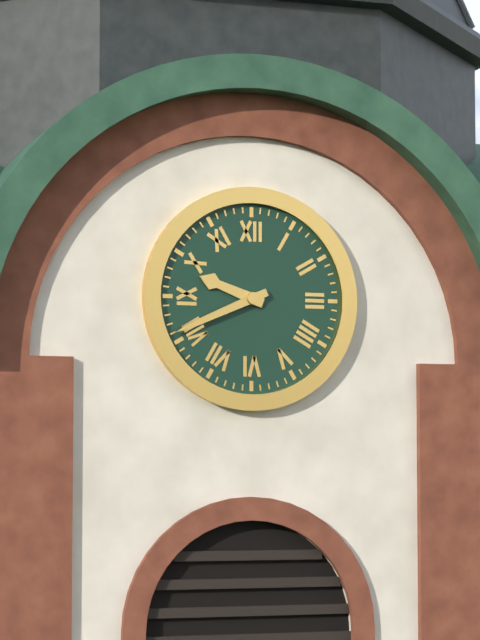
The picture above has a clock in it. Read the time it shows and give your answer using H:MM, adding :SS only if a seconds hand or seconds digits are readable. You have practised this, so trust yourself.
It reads 9:41
